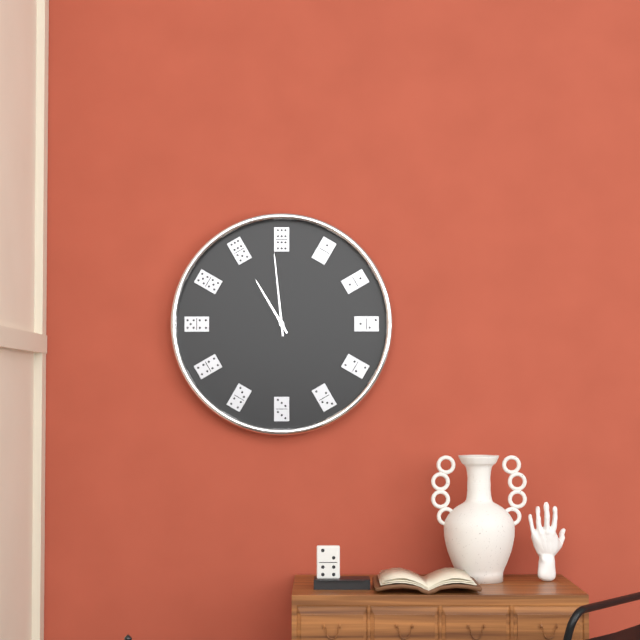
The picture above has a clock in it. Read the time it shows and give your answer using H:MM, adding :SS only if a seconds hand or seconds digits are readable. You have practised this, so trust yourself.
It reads 10:59
